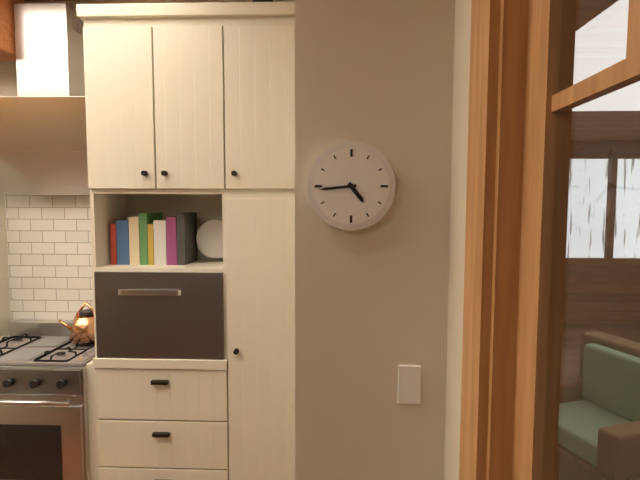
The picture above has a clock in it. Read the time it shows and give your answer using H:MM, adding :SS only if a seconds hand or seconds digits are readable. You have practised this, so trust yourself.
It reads 4:44
